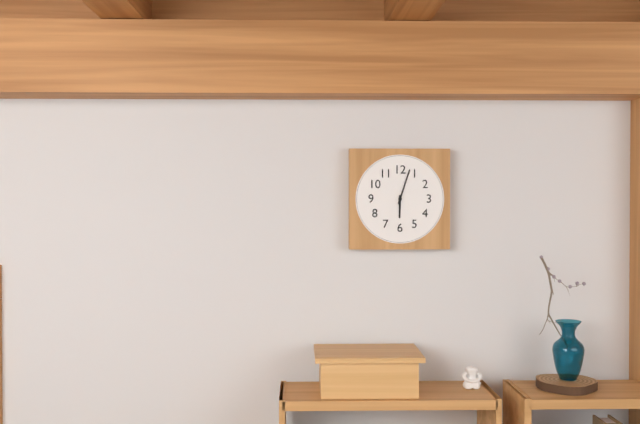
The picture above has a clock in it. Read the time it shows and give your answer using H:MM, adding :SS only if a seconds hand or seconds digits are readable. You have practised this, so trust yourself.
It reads 6:03
